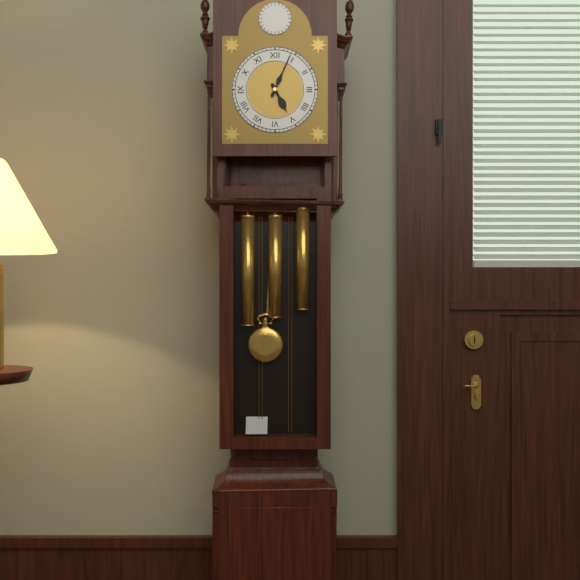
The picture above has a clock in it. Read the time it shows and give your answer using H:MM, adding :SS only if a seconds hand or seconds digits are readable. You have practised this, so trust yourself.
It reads 5:04
